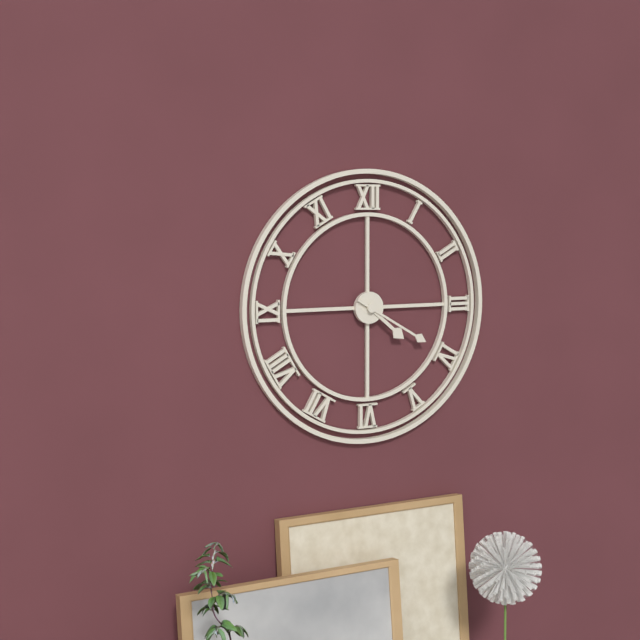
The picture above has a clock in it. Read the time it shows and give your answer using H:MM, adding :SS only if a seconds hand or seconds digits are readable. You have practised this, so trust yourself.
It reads 4:20
